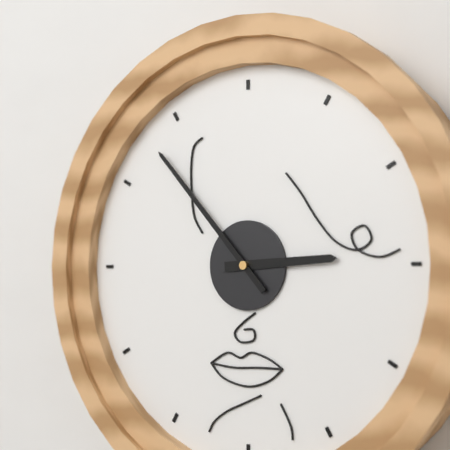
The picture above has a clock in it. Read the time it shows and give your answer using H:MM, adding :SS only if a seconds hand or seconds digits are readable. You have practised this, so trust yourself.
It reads 2:53
